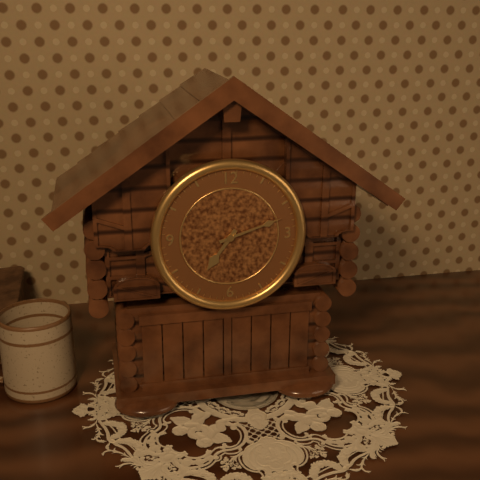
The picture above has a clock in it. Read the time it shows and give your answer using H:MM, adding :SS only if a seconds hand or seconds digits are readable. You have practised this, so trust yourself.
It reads 7:12
